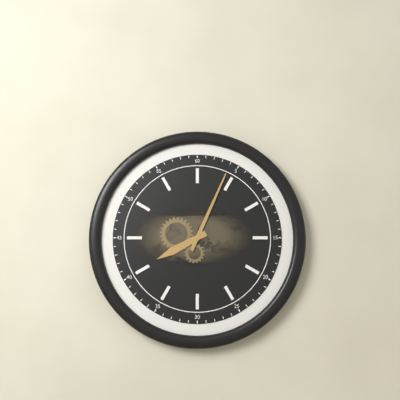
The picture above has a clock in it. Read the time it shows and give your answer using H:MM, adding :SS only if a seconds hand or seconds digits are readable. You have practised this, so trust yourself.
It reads 8:04
